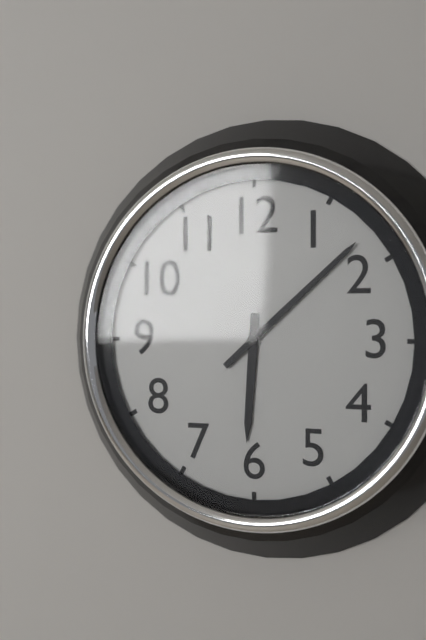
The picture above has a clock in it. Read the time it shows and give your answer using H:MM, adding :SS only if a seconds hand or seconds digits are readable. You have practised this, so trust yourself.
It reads 6:08
